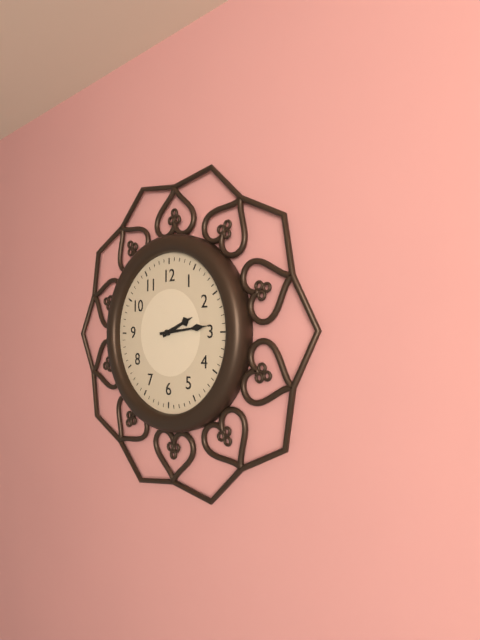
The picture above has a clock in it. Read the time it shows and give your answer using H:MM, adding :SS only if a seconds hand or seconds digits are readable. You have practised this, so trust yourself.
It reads 2:14
